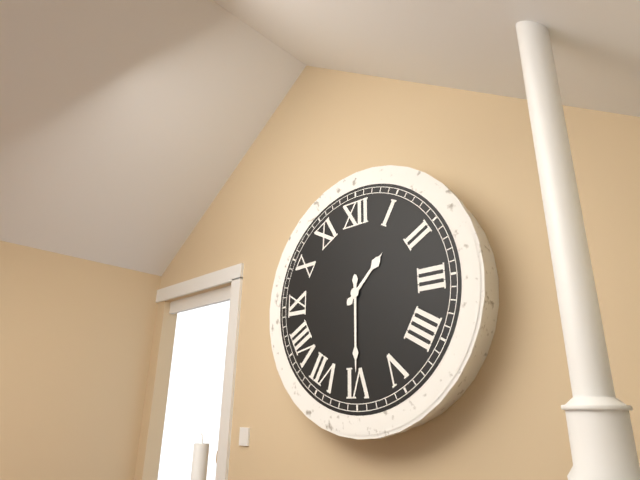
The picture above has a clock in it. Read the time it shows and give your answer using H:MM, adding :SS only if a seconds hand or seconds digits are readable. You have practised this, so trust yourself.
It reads 1:30
